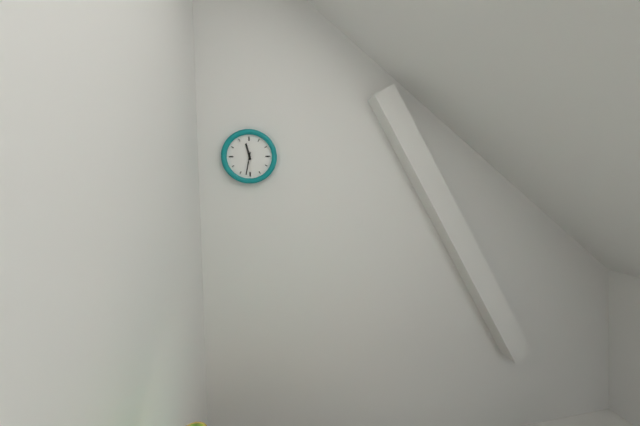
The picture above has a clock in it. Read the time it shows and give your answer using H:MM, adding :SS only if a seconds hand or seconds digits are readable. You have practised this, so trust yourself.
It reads 11:32
